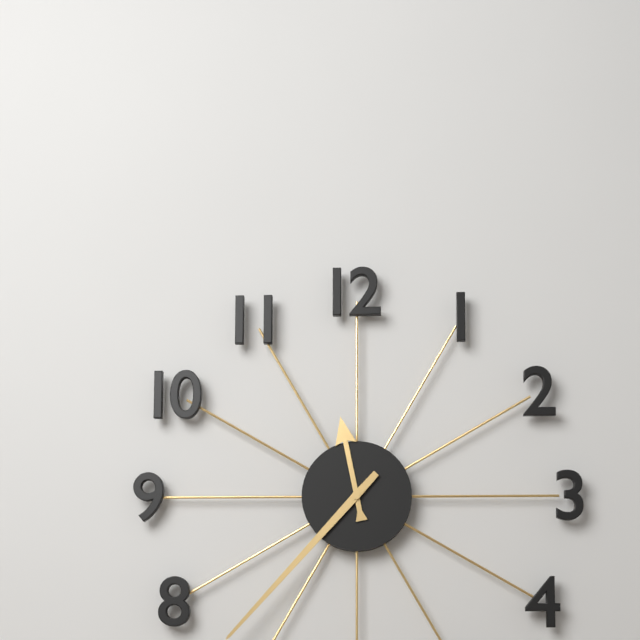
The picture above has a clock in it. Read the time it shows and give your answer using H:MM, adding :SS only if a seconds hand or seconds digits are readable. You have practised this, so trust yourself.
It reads 11:37
